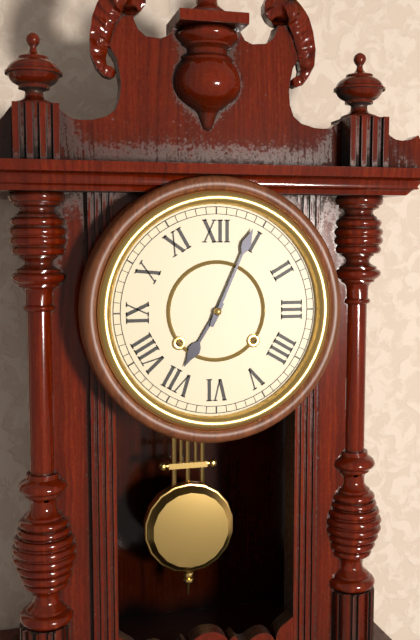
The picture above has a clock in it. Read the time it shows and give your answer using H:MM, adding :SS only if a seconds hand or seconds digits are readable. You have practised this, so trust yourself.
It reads 7:04
